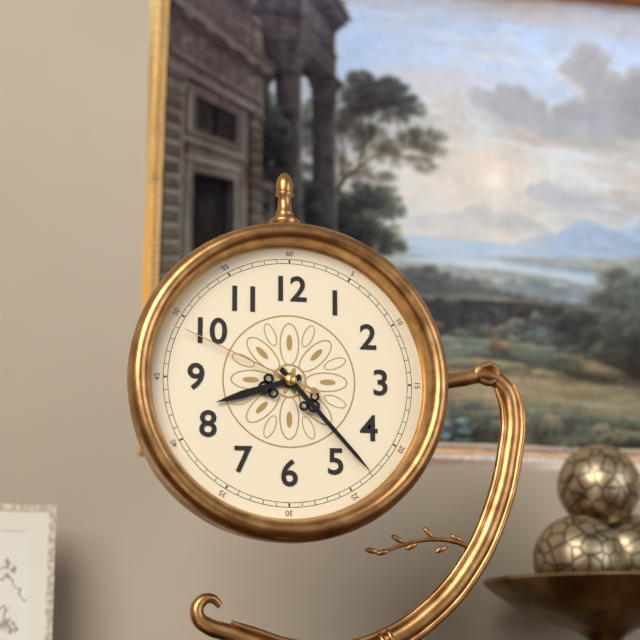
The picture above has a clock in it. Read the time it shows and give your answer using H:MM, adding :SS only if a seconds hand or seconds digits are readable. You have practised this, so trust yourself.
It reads 8:23:49
